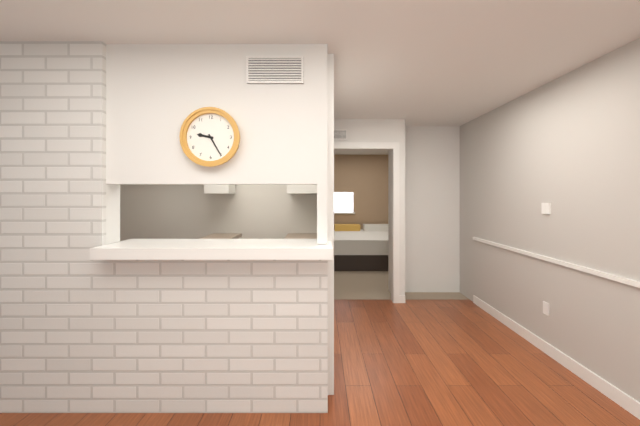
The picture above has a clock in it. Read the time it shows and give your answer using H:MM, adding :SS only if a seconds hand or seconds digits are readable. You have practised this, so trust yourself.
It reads 9:25
